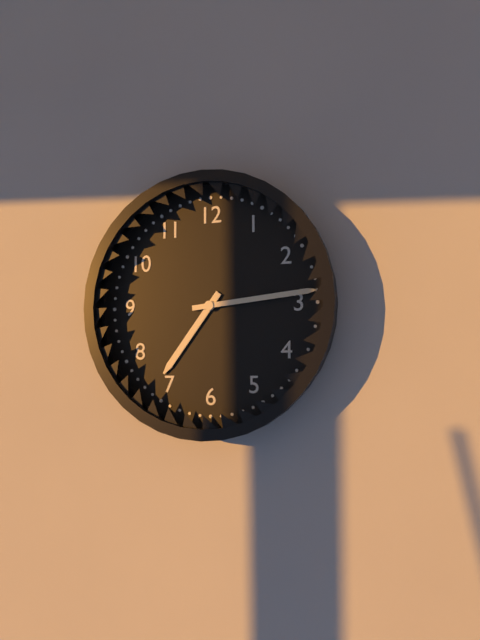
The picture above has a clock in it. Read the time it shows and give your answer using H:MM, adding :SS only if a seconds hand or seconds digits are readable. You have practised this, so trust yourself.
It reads 7:14
